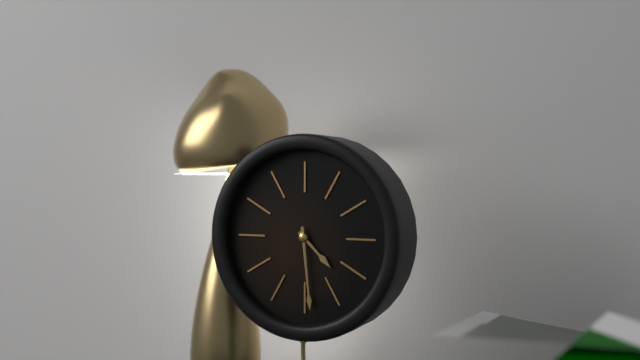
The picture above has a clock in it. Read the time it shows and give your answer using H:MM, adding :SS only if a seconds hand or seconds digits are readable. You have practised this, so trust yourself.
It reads 4:29
